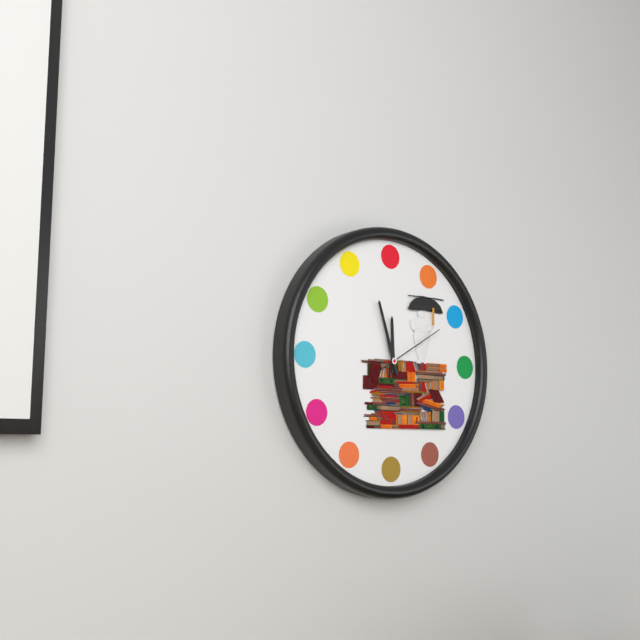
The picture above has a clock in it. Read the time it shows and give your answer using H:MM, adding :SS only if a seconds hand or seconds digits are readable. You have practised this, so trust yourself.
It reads 11:57:10
